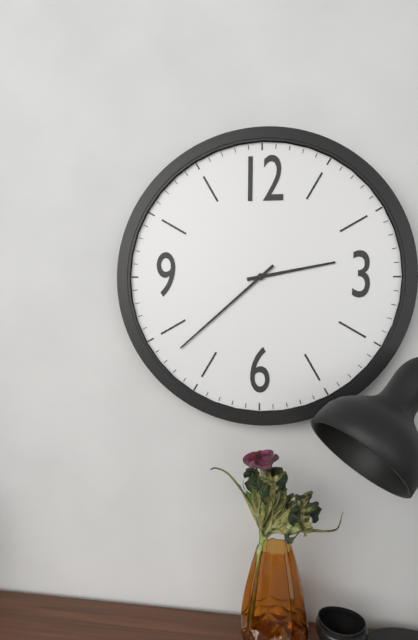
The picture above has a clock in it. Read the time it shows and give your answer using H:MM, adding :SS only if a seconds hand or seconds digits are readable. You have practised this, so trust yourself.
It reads 2:38
